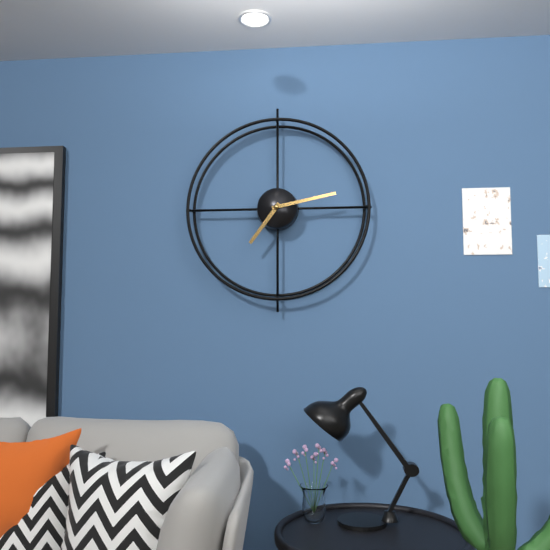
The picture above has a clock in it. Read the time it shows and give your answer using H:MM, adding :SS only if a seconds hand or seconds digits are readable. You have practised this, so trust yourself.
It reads 7:13
